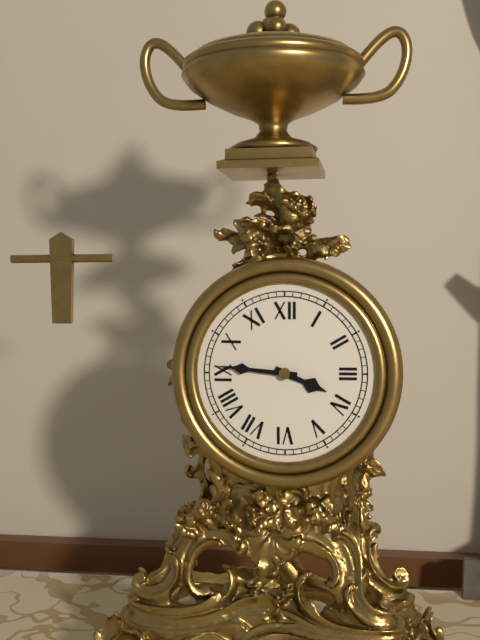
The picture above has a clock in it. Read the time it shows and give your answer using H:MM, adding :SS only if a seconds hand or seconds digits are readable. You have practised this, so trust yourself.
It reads 3:46
